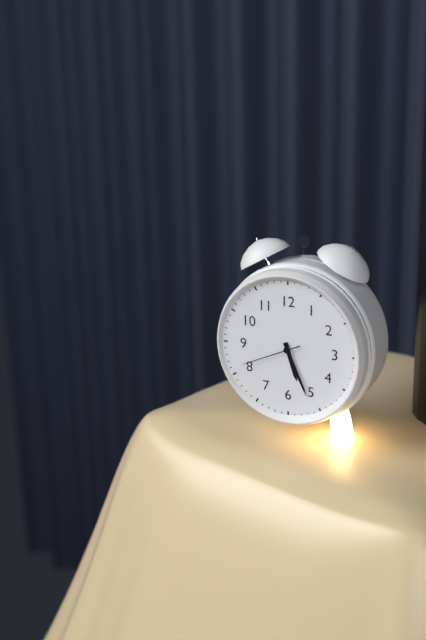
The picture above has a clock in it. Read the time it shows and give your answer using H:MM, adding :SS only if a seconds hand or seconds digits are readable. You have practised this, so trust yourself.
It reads 5:26:41
